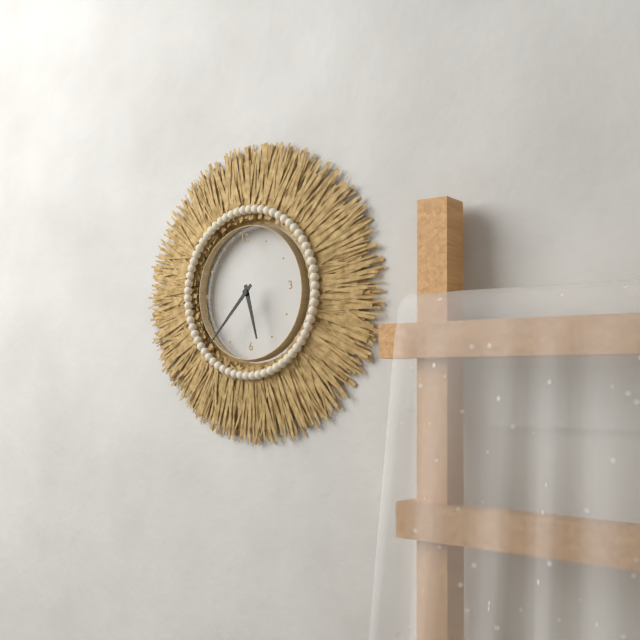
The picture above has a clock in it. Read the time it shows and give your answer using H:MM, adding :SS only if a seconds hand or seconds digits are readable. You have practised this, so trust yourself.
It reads 5:38
